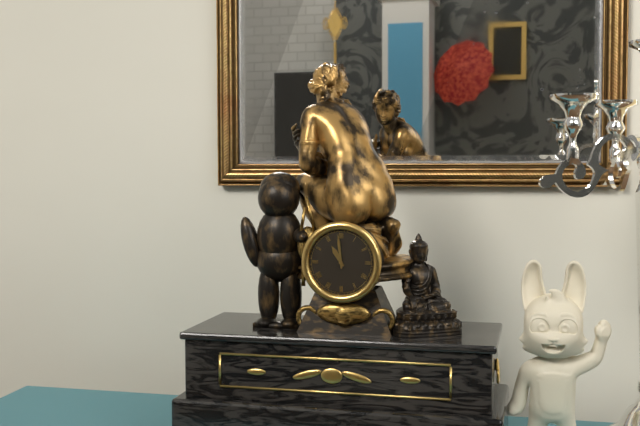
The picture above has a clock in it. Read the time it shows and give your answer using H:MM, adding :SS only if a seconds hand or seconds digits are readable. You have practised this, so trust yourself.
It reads 10:59
